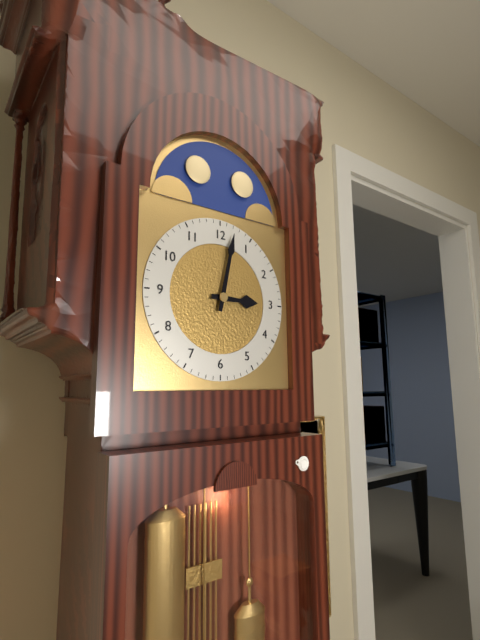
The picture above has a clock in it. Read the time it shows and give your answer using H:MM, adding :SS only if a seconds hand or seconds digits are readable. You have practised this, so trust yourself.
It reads 3:02
